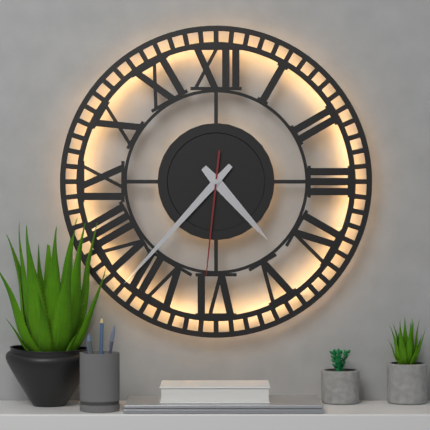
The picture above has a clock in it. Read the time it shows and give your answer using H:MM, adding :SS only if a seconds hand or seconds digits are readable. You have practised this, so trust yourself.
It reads 4:37:31
